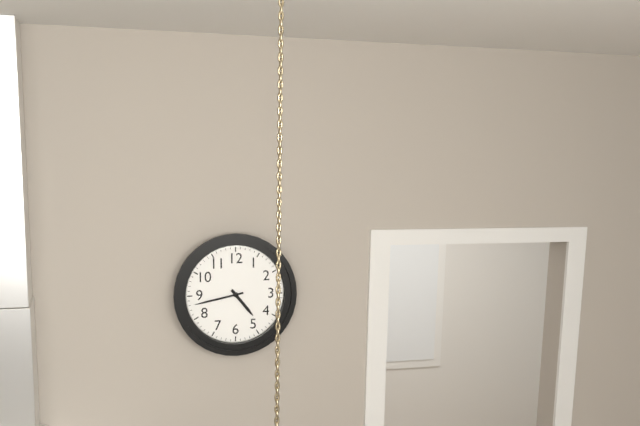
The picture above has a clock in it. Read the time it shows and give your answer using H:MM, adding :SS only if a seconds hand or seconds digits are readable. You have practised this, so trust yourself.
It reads 4:43
